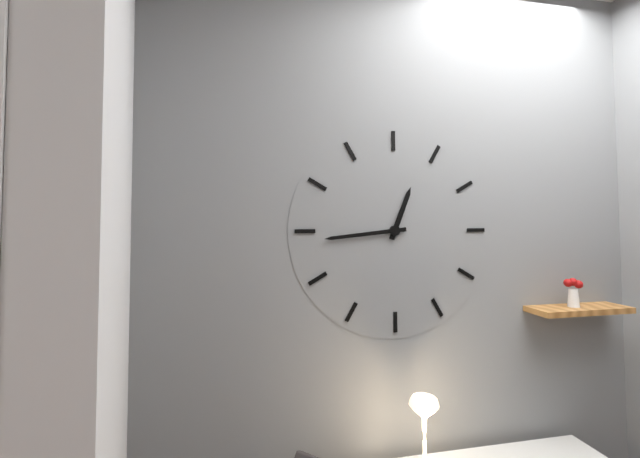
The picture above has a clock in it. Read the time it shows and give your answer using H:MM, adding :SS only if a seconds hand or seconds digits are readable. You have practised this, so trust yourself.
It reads 12:44
